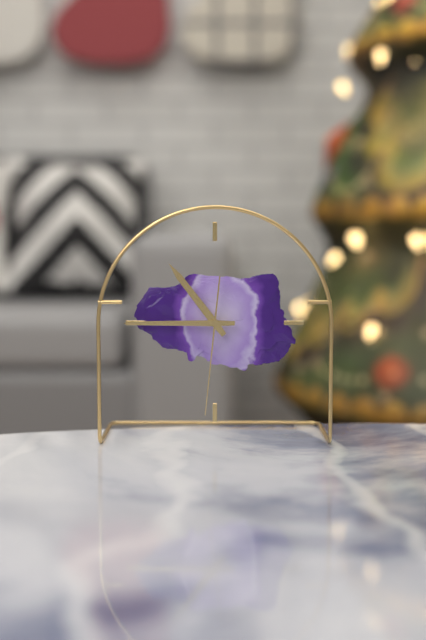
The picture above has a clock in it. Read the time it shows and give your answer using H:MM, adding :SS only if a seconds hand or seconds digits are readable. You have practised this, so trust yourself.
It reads 10:45:31
